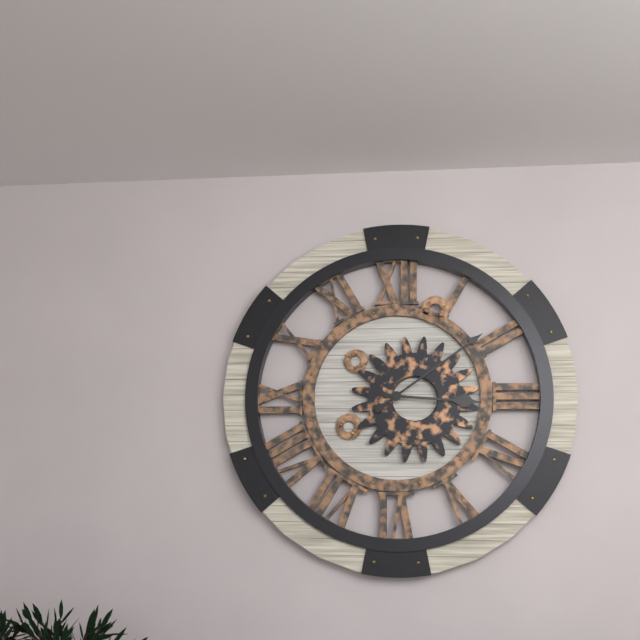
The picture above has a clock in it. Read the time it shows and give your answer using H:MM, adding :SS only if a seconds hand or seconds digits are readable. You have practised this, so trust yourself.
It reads 3:09
